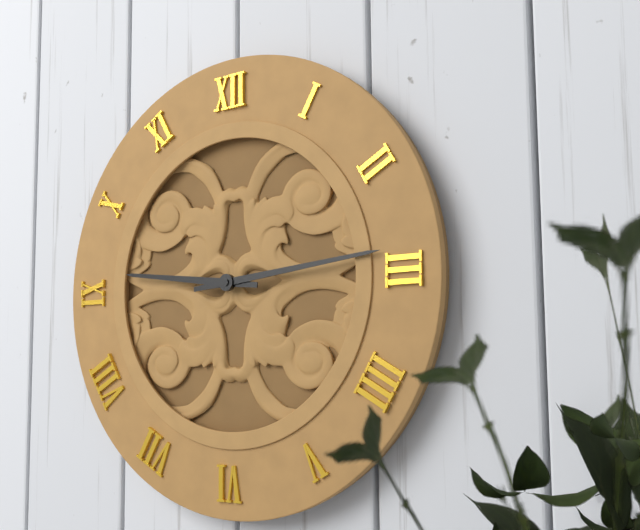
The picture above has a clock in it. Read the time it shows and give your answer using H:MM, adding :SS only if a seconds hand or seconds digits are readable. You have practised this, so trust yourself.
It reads 9:14
